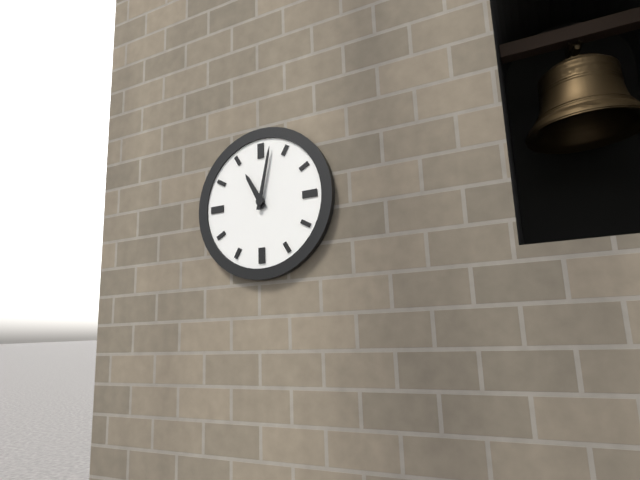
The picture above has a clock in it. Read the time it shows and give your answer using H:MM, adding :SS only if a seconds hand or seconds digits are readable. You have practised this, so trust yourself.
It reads 11:02
